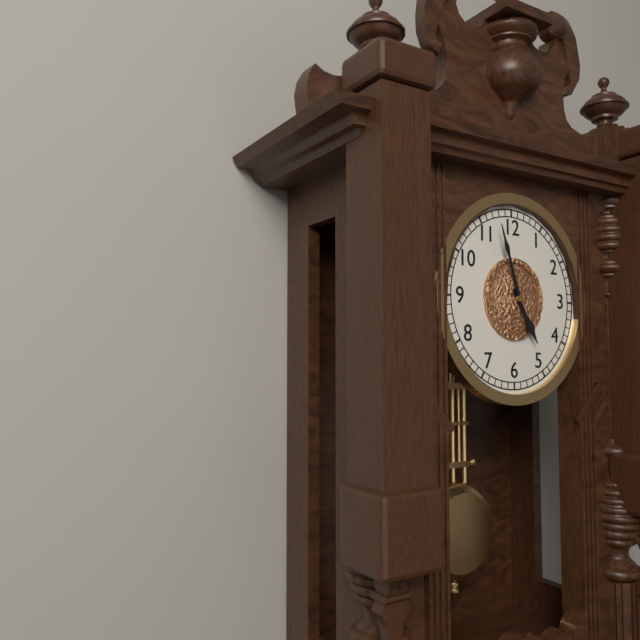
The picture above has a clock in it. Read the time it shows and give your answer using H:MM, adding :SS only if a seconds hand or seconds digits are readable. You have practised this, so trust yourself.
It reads 4:57
